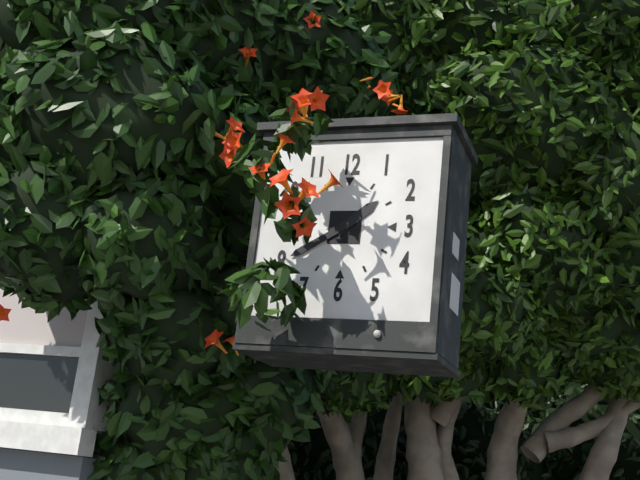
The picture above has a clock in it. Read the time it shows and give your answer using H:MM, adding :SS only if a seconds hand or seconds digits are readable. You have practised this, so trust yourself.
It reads 1:40
